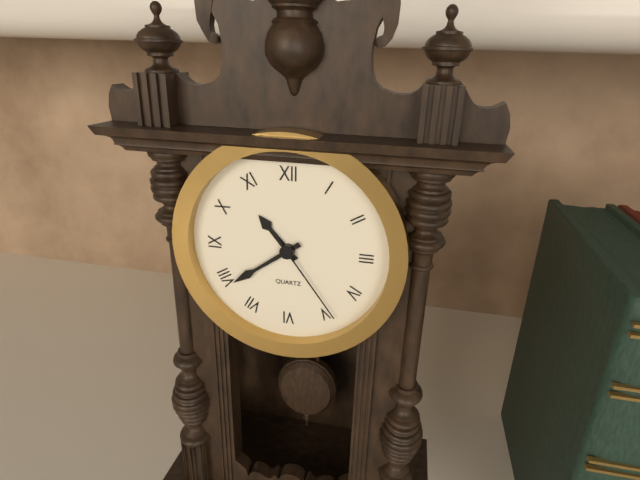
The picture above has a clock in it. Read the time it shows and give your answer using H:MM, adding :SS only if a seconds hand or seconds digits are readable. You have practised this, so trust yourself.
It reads 10:39:24
